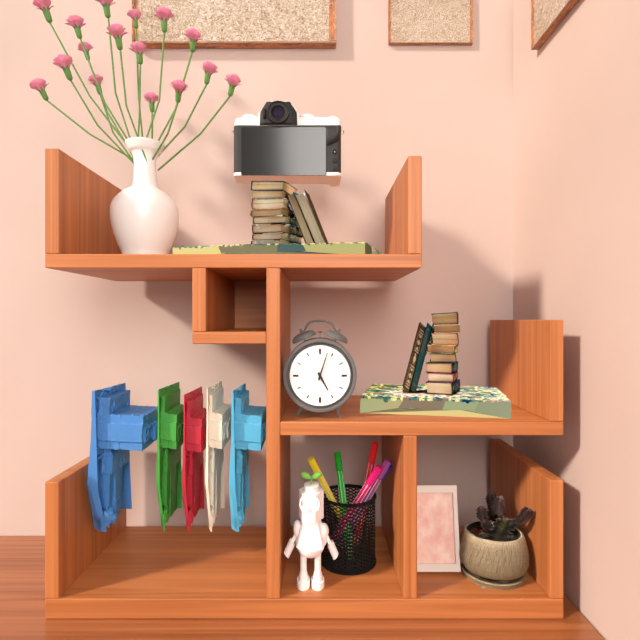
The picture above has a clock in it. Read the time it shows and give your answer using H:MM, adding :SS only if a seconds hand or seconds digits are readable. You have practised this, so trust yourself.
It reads 5:03
